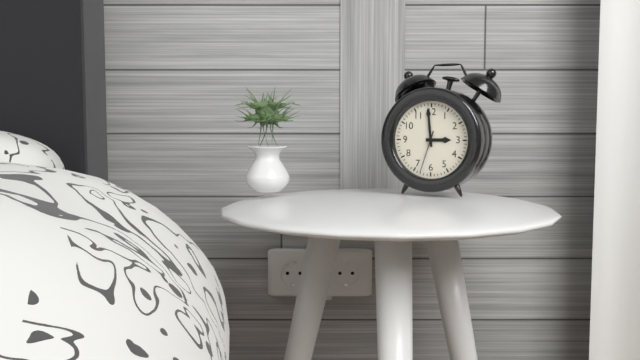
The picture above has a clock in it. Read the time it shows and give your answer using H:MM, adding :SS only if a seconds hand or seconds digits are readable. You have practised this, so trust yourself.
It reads 2:59
